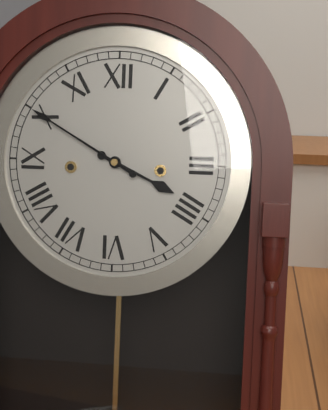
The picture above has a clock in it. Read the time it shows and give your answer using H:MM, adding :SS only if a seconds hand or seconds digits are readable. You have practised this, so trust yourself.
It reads 3:50
